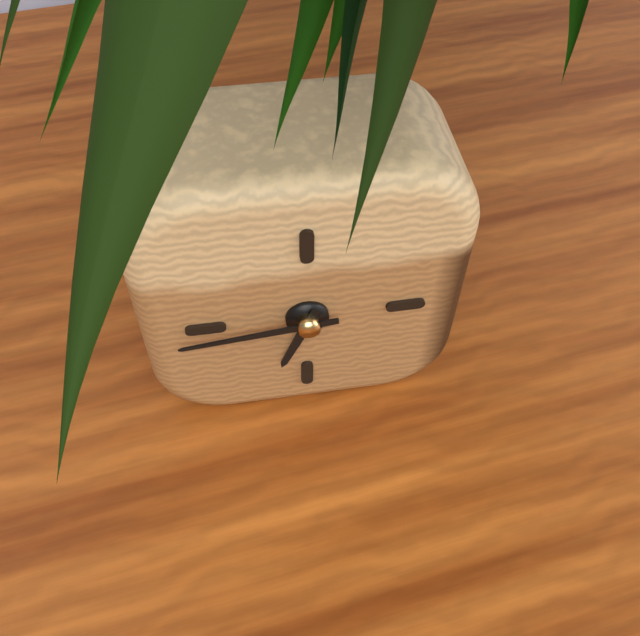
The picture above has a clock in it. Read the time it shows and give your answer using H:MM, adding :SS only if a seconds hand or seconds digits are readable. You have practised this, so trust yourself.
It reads 6:44
